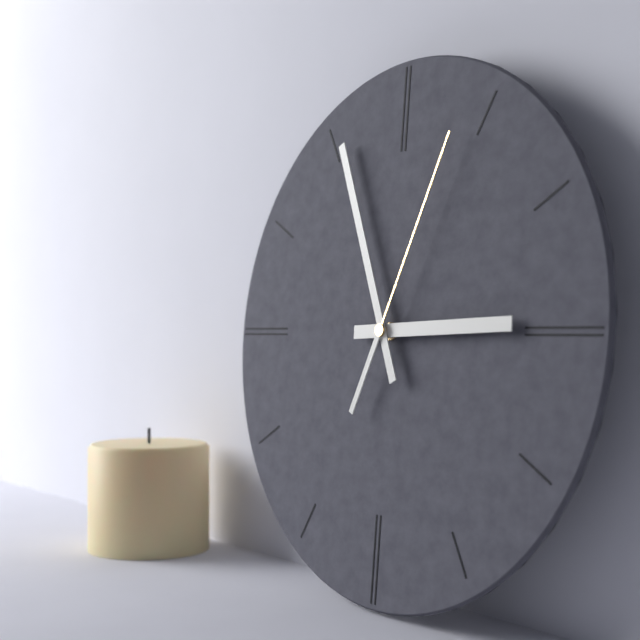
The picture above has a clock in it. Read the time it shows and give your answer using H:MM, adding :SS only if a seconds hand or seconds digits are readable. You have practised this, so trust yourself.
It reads 2:56:04
